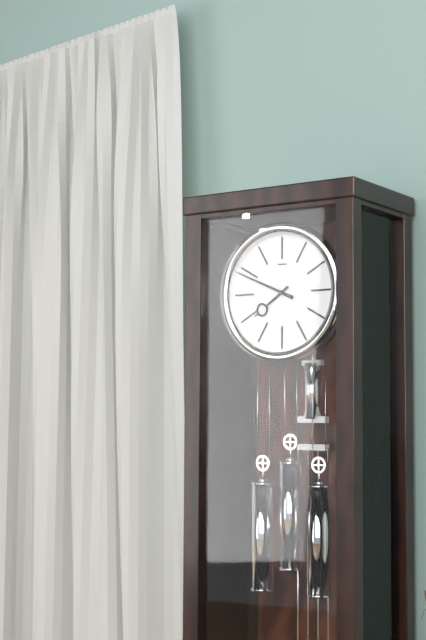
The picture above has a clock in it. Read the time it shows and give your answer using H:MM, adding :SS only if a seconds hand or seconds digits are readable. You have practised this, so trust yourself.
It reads 7:49
